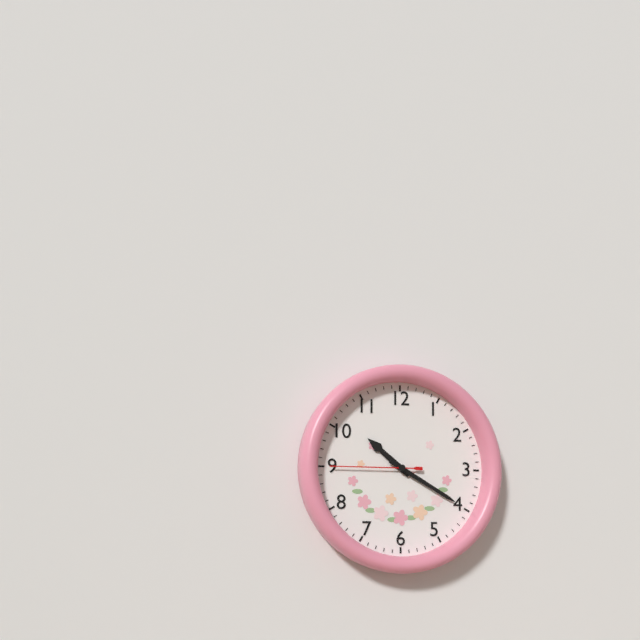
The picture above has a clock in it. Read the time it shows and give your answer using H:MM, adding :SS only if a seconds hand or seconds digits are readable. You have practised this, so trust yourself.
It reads 10:20:45
